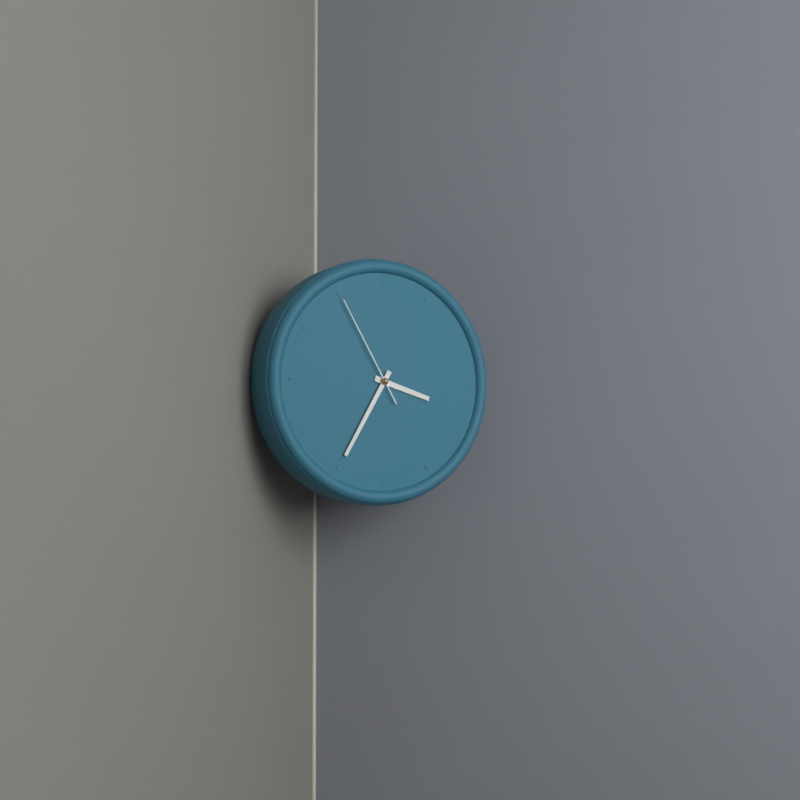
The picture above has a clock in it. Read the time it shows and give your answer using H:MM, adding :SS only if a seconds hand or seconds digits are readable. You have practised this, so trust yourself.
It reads 3:35:55
